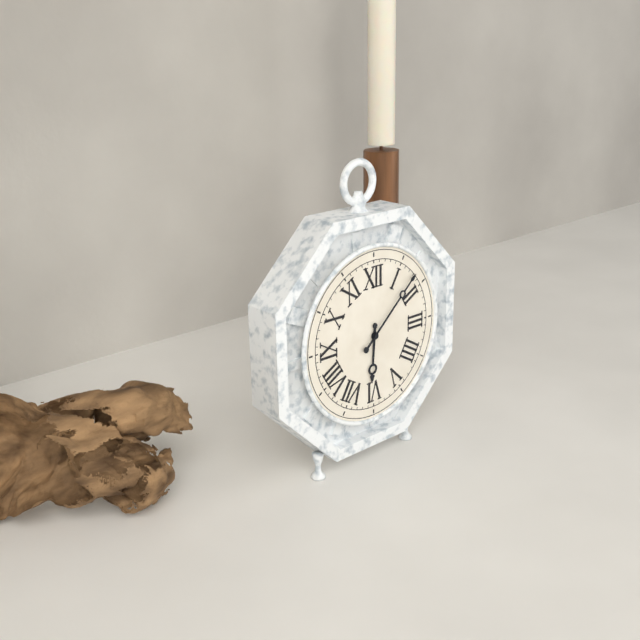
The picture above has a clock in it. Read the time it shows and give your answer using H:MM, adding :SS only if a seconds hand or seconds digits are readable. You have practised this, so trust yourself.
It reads 6:08
